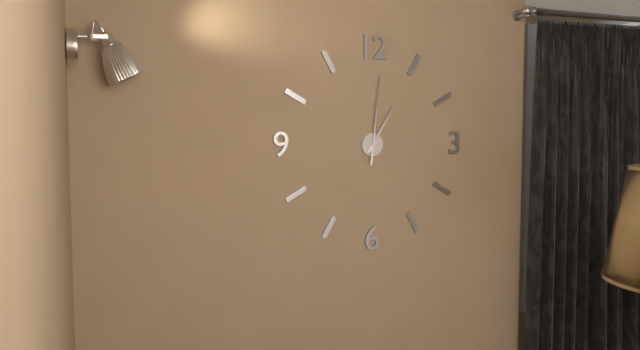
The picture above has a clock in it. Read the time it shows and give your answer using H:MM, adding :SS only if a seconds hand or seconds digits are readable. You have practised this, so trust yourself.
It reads 1:01
